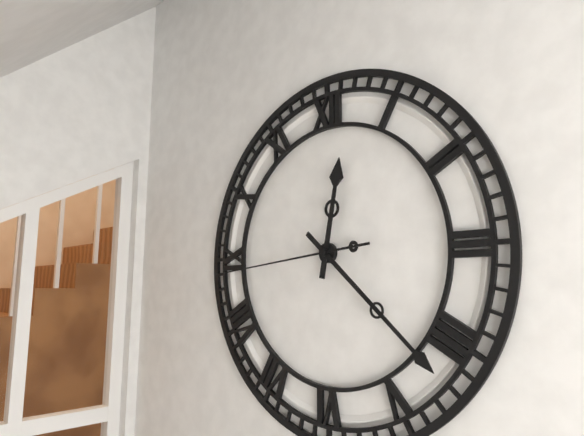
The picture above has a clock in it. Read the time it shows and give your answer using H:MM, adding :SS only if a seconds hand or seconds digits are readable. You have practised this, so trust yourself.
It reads 12:22:44
